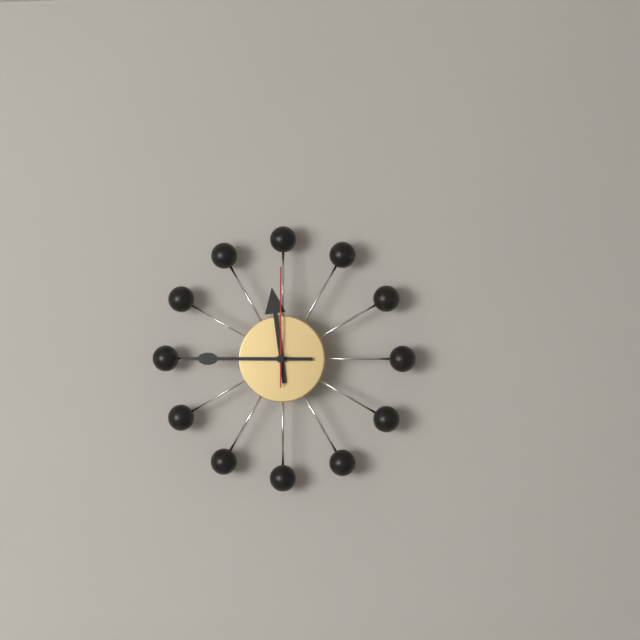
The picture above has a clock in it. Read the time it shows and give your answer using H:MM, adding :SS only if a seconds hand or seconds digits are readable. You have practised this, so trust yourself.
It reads 11:45:00
